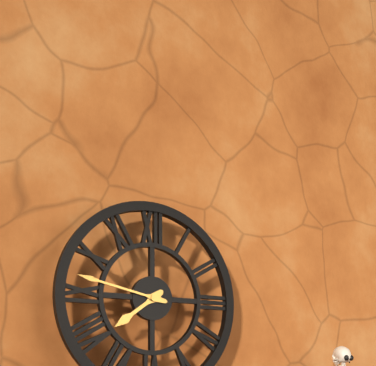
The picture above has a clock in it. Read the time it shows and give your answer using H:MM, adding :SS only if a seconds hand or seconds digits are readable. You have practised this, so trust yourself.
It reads 7:47
